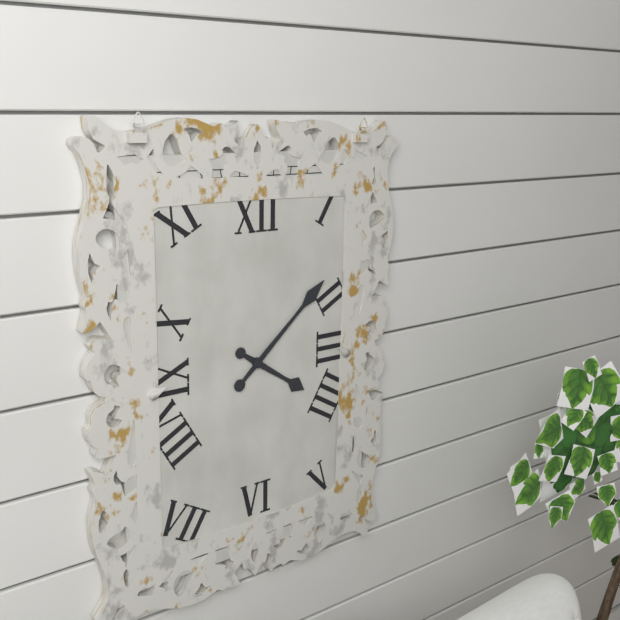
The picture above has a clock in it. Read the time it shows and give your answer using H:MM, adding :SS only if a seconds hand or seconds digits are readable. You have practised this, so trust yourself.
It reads 4:08
